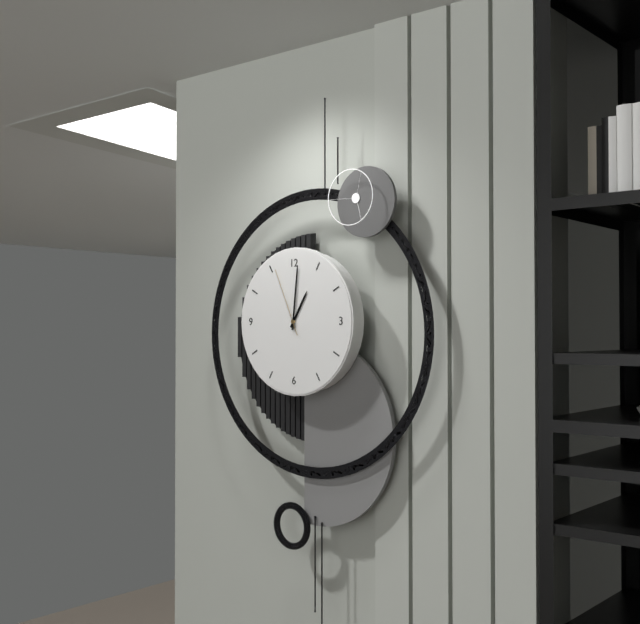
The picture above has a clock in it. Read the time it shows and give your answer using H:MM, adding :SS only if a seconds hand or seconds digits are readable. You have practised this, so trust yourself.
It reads 1:01:56
